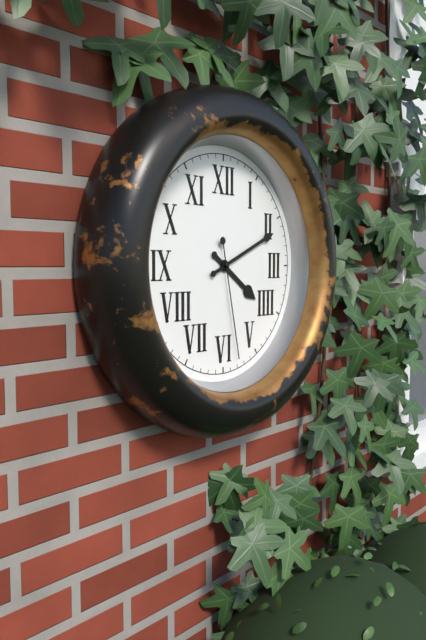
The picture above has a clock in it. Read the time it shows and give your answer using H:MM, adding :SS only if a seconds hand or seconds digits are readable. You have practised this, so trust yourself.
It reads 4:11:28
